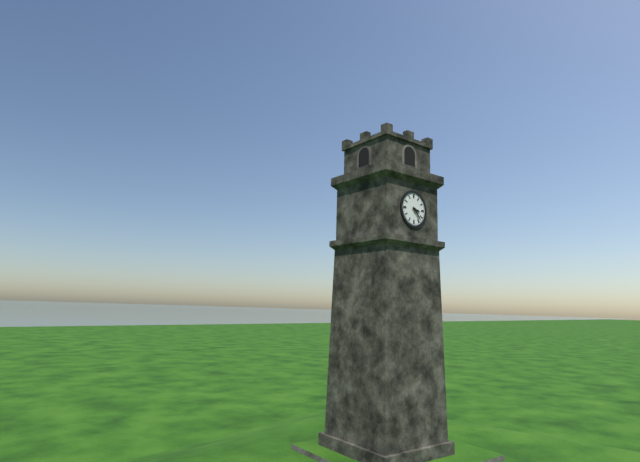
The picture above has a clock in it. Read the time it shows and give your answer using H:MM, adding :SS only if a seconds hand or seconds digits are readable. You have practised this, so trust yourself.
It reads 3:23
